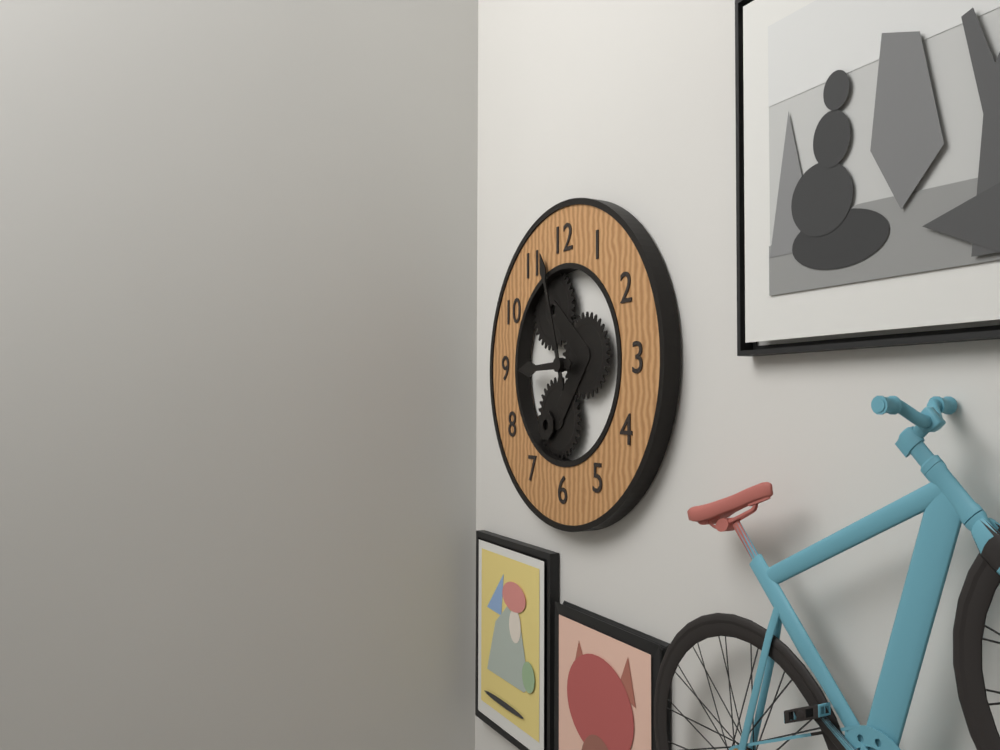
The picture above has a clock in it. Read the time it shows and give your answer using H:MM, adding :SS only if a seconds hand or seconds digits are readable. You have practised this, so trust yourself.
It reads 8:57
